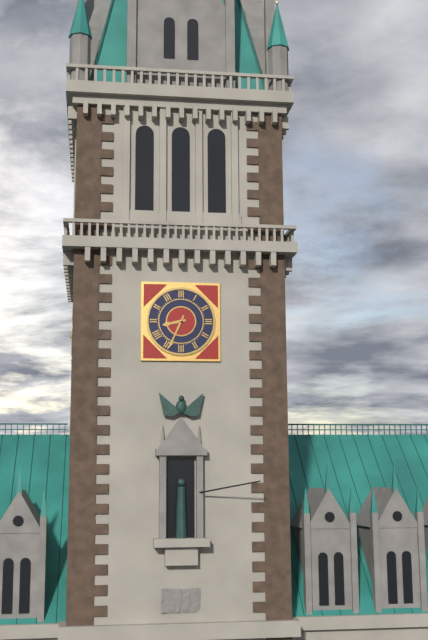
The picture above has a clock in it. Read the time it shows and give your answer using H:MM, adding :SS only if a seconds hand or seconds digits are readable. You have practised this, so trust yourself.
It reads 8:34
